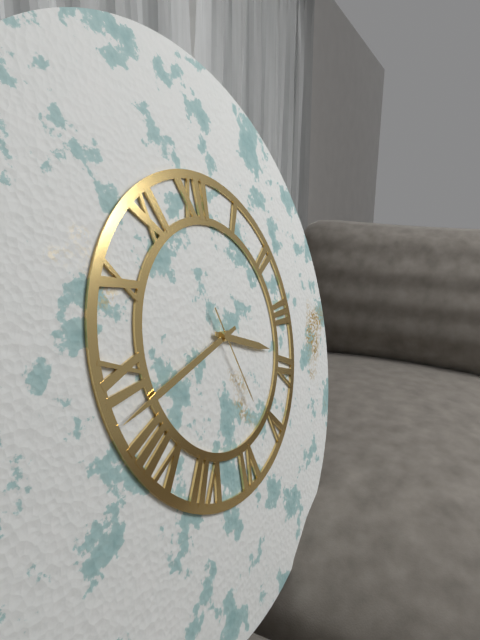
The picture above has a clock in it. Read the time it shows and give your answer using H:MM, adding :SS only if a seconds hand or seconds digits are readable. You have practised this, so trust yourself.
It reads 3:43:27
